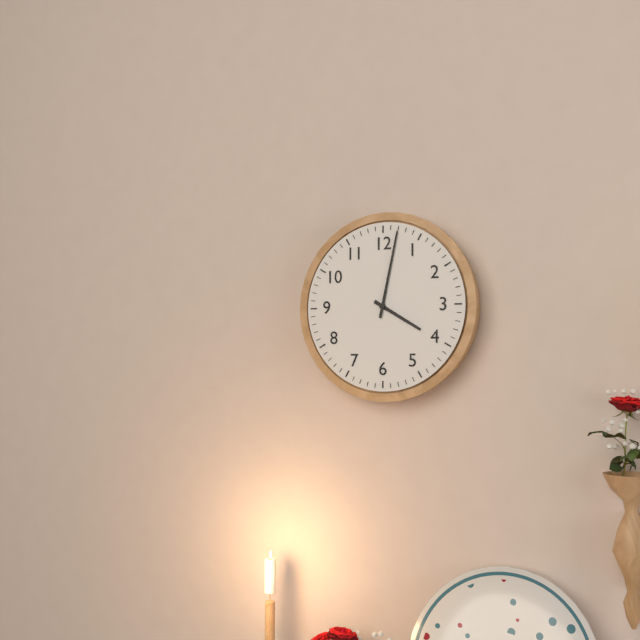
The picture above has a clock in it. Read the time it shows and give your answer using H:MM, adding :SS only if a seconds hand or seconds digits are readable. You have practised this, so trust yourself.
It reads 4:02
